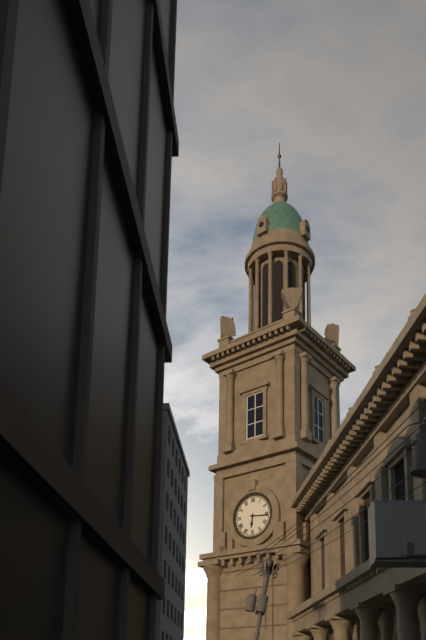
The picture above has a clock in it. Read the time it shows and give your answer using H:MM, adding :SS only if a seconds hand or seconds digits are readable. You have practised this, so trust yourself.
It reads 6:16
